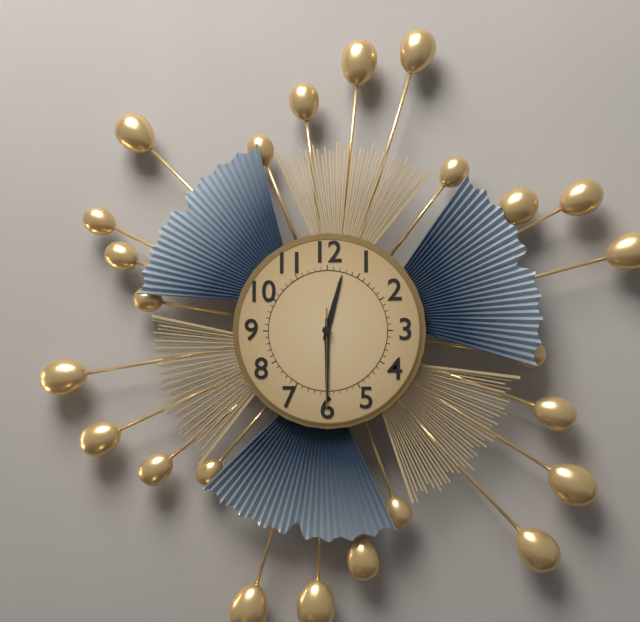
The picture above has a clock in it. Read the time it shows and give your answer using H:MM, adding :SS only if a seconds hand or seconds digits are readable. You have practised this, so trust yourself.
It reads 12:30:30
